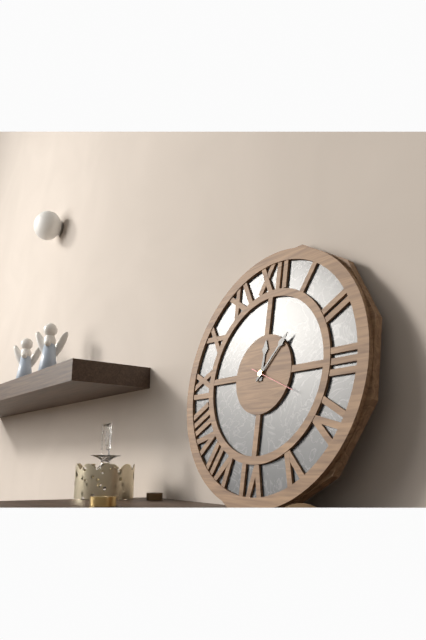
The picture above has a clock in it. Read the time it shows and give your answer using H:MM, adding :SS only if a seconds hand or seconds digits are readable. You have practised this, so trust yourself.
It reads 12:07
